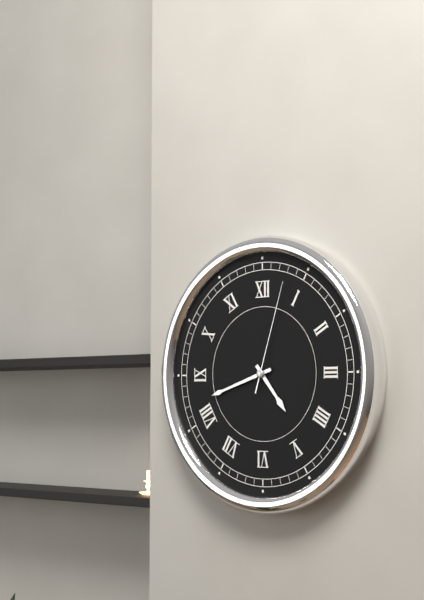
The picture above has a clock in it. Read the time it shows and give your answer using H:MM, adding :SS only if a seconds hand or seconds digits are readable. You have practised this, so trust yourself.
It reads 4:42:03
